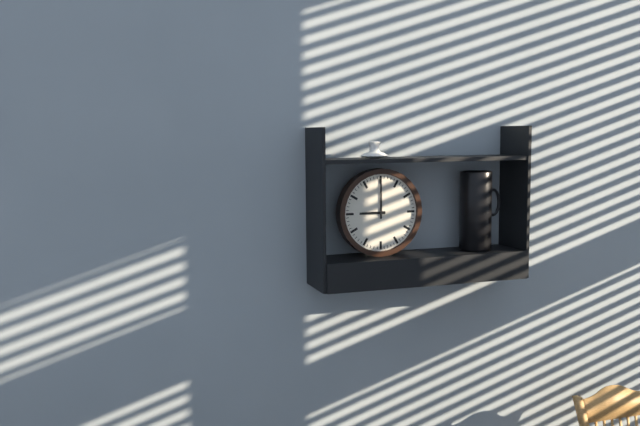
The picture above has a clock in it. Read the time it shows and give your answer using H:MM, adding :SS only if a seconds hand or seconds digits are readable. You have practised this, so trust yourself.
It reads 9:00
